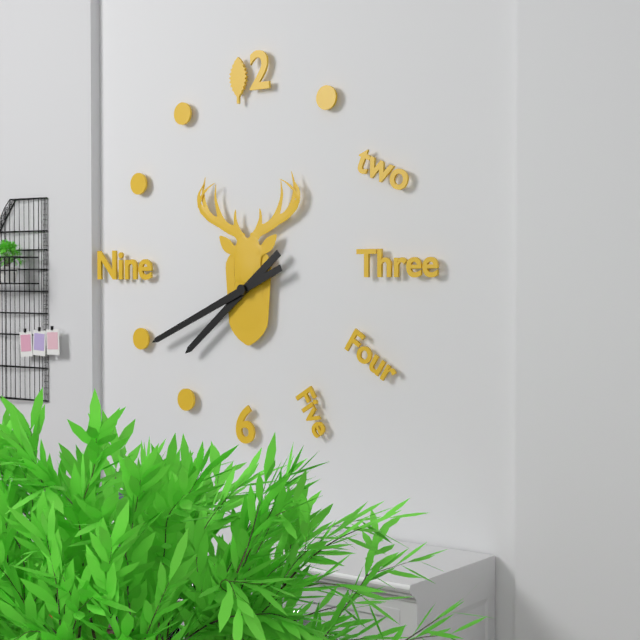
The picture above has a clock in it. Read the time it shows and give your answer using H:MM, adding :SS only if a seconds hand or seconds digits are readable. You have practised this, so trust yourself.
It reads 7:41
